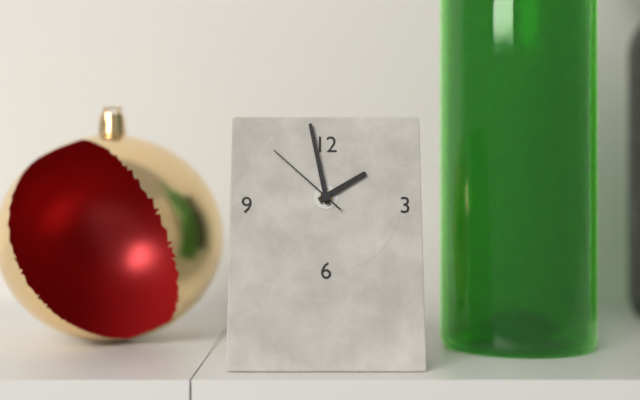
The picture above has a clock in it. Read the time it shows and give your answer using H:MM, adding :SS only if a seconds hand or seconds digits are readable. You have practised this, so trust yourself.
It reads 1:58:52
